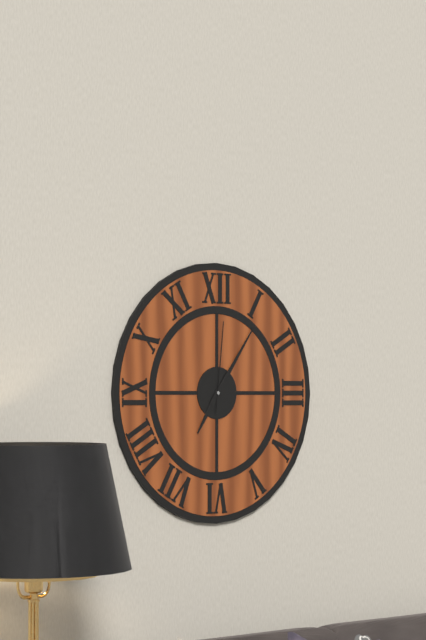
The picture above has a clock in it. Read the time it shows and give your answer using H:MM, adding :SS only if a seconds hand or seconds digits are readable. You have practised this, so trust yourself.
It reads 7:06:01
